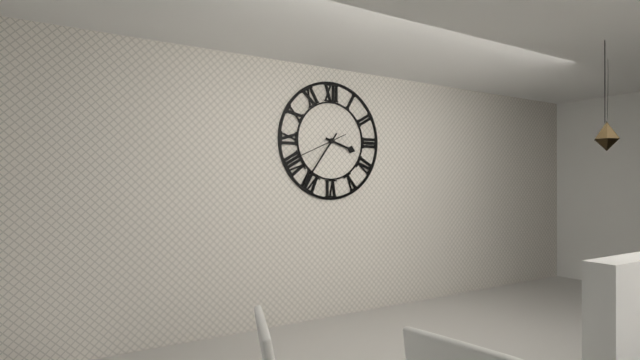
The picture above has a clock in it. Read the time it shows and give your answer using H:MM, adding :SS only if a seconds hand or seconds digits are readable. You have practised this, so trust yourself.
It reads 3:36:41
